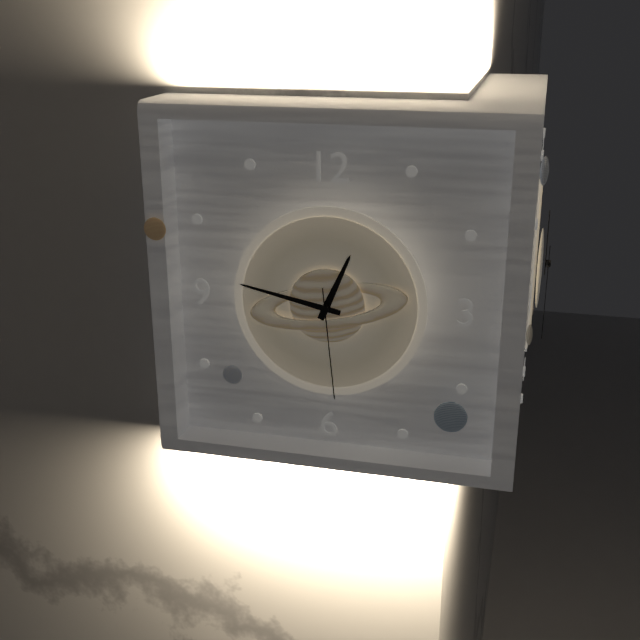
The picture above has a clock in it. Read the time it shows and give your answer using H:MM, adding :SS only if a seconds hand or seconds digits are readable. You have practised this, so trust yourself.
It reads 12:47:29
